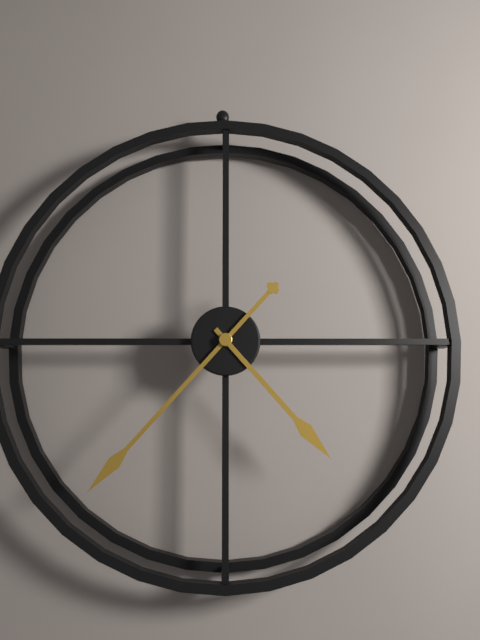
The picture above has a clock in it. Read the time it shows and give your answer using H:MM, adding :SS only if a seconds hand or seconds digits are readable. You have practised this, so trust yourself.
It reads 4:37
